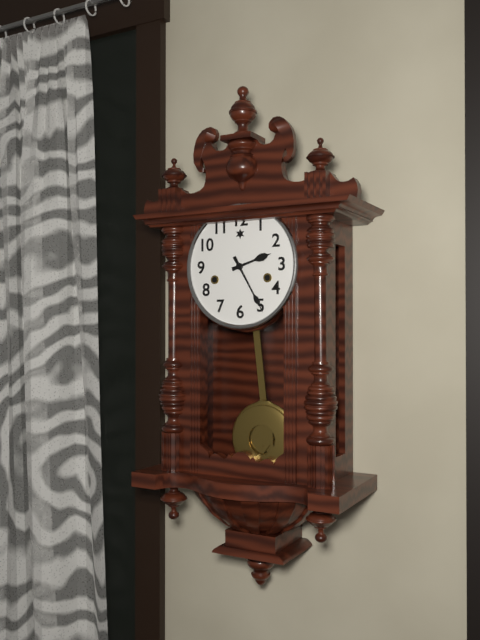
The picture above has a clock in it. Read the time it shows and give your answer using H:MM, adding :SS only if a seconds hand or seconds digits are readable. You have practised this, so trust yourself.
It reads 2:25
